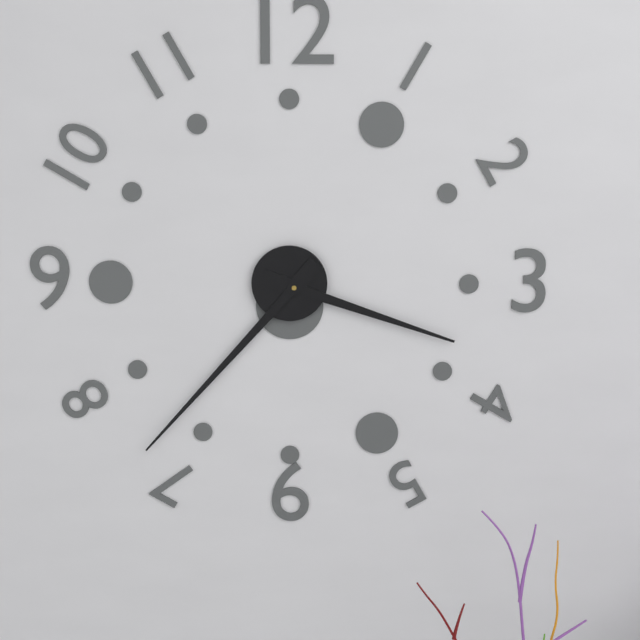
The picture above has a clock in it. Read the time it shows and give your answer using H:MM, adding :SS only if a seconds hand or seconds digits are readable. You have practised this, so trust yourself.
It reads 3:37
